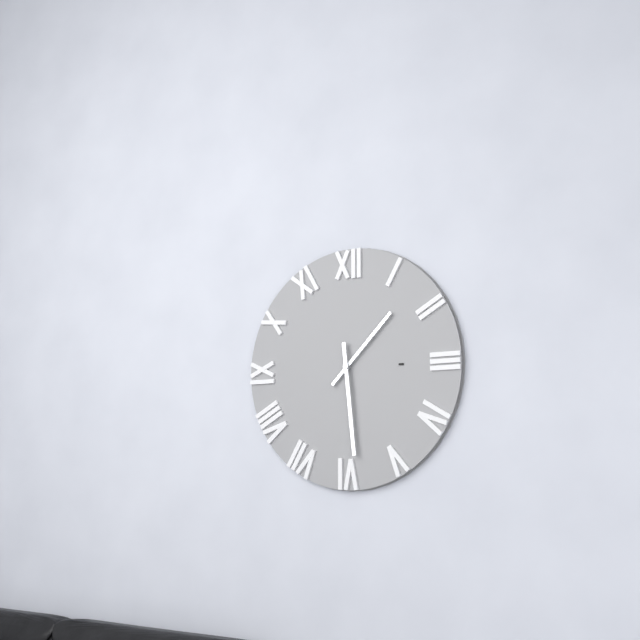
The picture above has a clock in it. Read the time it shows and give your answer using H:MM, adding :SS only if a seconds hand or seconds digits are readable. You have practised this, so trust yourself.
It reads 1:29
